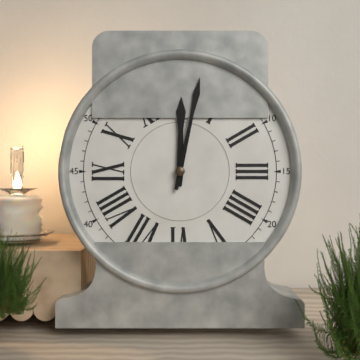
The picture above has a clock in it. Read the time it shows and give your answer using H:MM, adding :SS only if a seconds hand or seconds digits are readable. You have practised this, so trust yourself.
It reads 12:02
